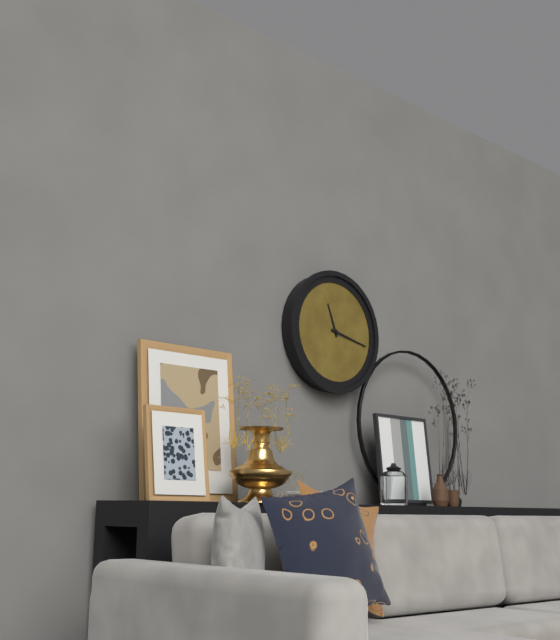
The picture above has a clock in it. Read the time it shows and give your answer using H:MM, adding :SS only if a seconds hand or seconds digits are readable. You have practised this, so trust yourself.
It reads 11:17
